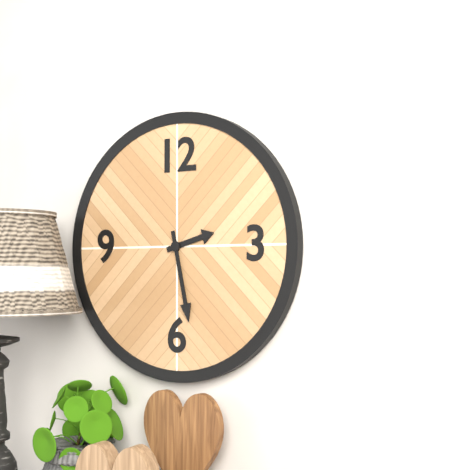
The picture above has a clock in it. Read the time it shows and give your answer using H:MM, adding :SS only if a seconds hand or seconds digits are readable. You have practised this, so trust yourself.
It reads 2:28
